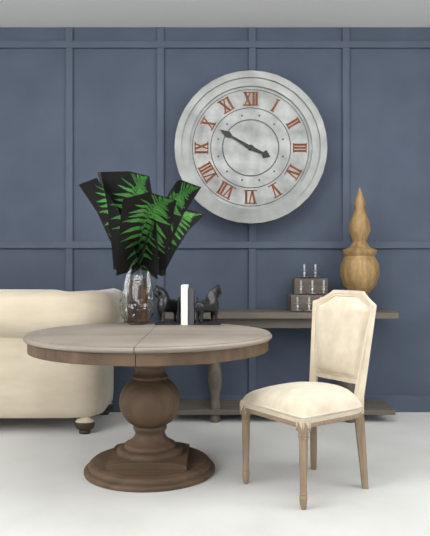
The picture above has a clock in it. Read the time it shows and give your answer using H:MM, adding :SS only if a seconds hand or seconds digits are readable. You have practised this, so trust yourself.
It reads 3:50
